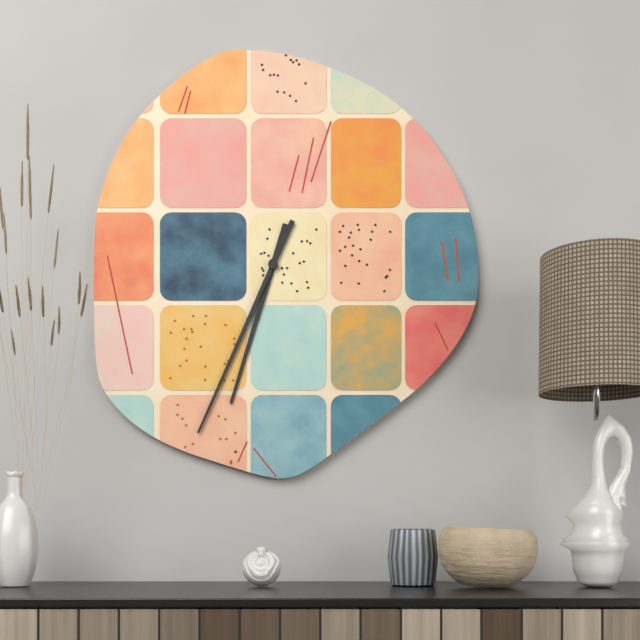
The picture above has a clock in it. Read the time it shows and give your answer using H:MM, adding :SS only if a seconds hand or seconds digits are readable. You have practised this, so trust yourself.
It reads 6:34
